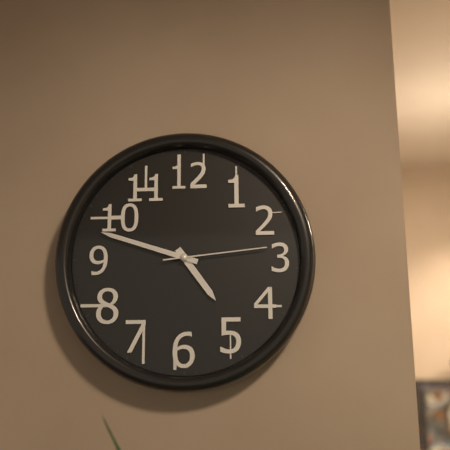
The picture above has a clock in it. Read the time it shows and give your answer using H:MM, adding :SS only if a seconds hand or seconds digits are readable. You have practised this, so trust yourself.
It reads 4:48:14
